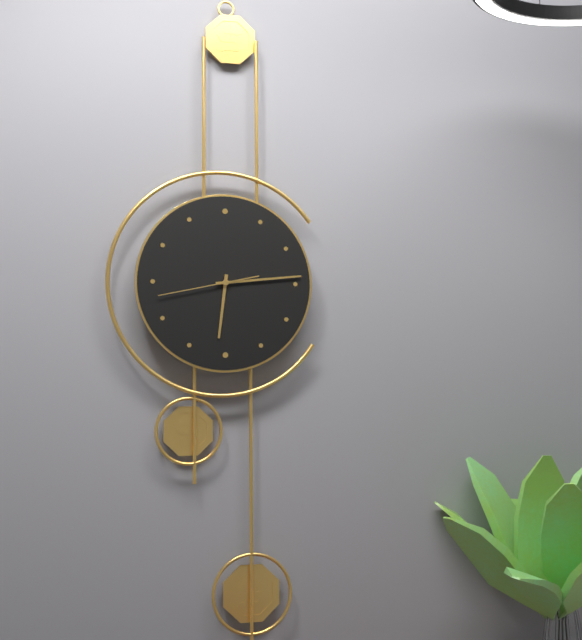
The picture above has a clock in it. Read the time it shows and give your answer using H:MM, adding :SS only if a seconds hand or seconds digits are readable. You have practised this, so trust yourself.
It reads 6:14:43
